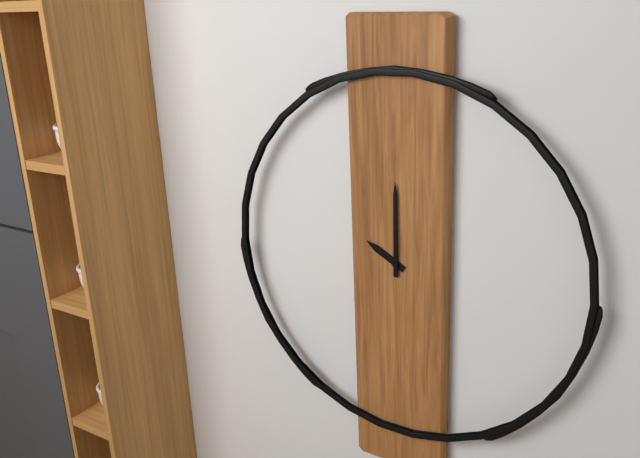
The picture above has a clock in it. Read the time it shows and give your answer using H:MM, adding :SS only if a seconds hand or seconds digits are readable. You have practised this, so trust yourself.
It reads 10:00
